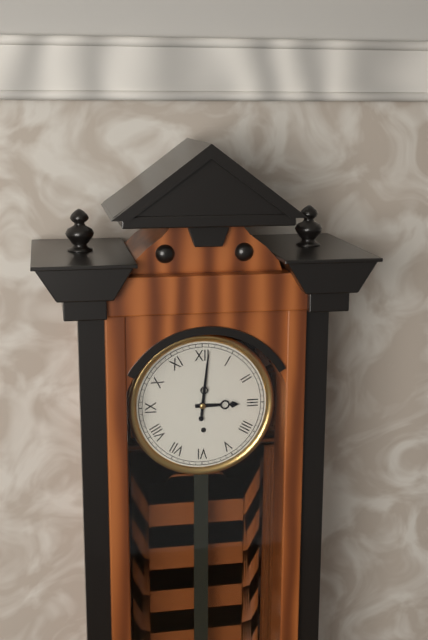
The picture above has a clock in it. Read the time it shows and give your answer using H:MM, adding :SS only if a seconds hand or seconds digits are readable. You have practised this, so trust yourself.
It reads 3:01
